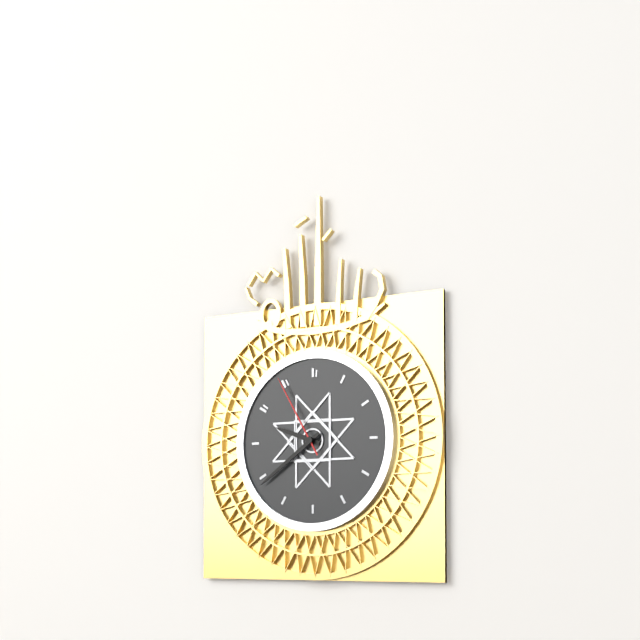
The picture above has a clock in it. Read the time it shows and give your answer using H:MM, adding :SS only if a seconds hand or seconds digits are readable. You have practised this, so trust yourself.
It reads 9:39:55
